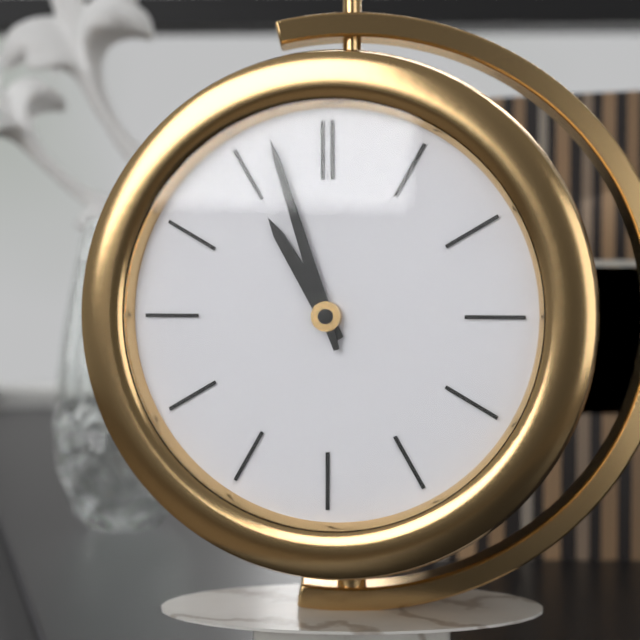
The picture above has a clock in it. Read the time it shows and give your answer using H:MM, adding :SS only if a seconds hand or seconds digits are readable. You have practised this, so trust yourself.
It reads 10:57
